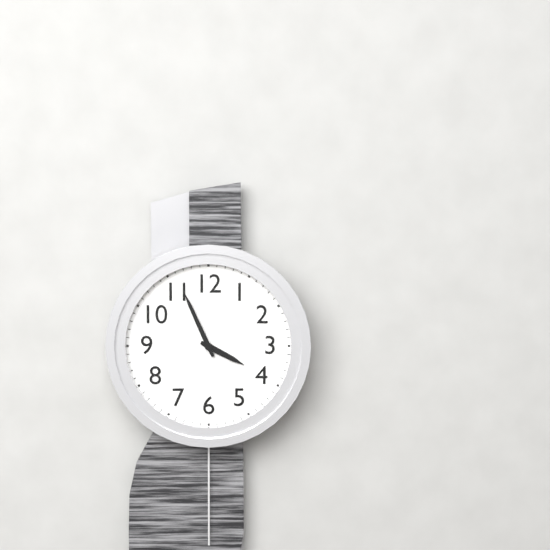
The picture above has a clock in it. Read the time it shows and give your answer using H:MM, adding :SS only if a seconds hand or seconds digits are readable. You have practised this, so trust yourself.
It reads 3:56
